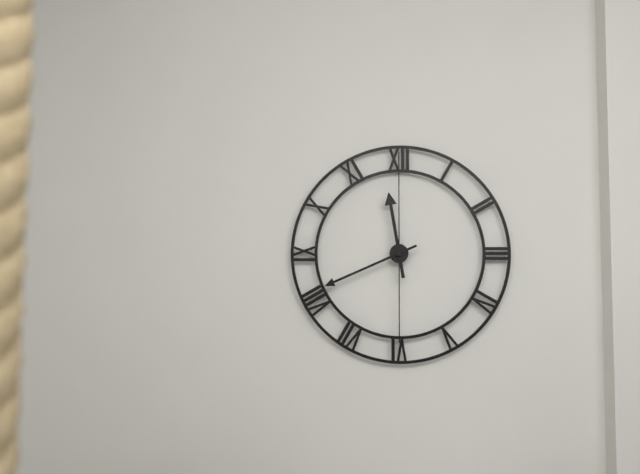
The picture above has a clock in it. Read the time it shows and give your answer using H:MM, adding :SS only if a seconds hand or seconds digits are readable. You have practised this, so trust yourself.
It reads 11:41:00
